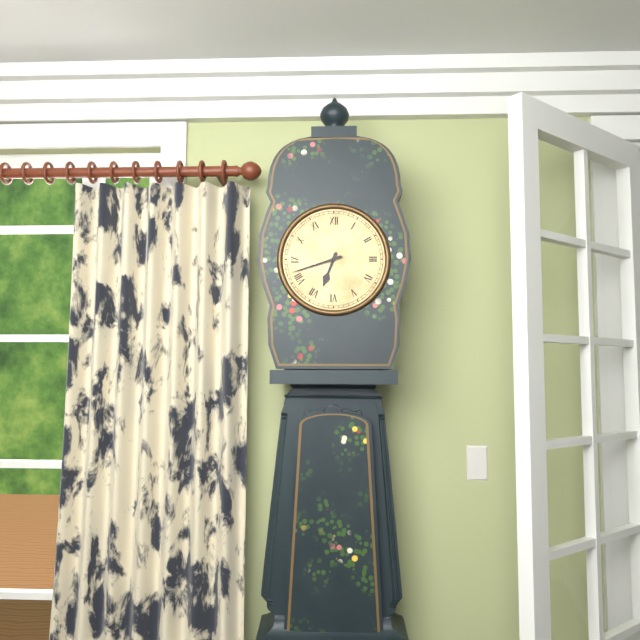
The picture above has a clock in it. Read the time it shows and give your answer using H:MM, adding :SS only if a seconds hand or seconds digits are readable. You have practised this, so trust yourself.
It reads 6:42
